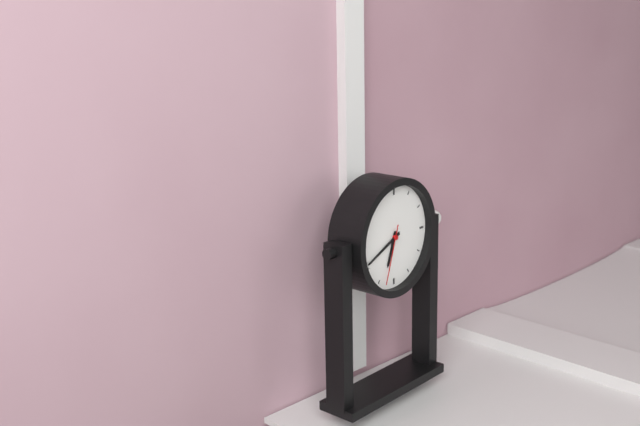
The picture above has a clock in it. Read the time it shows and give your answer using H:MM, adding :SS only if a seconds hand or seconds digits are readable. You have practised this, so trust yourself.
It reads 6:41:33
